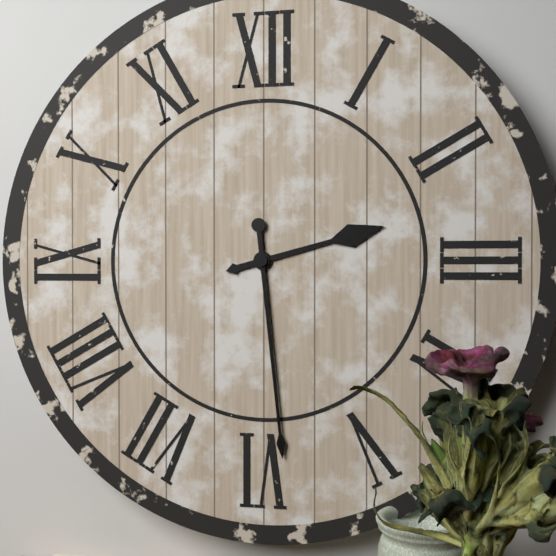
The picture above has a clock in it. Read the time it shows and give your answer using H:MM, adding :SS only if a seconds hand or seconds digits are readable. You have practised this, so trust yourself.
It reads 2:29
